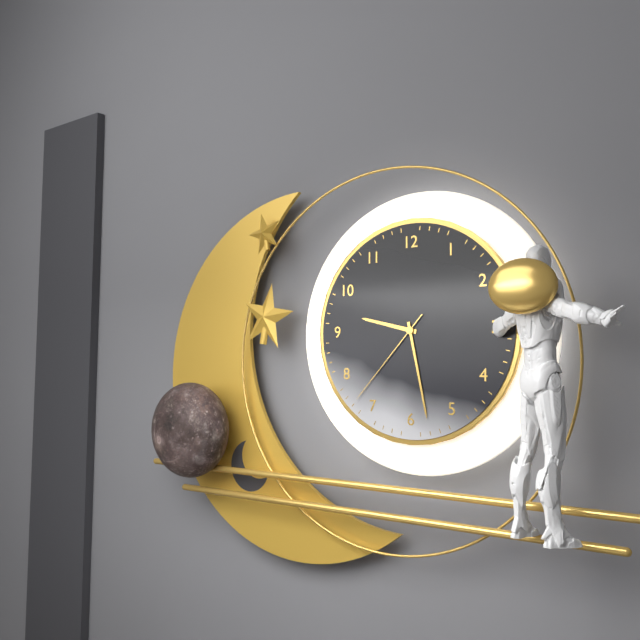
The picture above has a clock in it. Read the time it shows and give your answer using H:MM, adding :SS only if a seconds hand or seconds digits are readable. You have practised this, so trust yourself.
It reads 9:28:37
